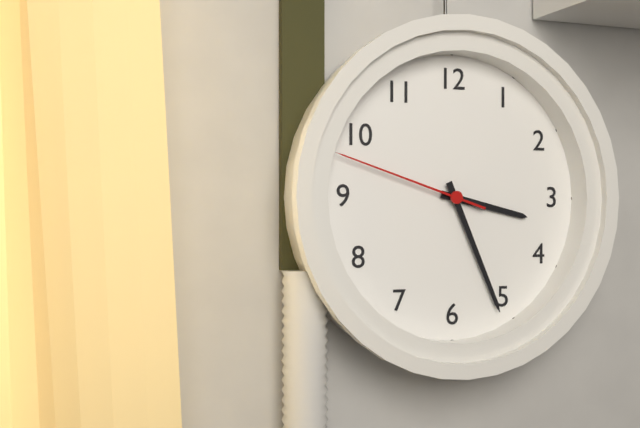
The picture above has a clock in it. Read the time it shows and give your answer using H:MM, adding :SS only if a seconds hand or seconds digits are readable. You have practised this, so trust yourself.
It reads 3:26:48
